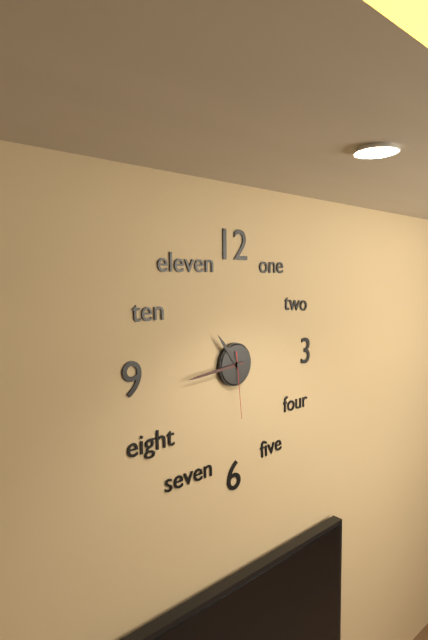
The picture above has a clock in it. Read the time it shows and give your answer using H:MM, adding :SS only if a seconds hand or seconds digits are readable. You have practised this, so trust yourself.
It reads 10:44:29
